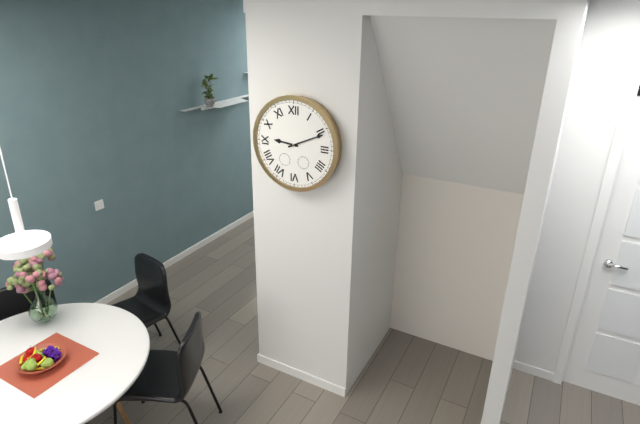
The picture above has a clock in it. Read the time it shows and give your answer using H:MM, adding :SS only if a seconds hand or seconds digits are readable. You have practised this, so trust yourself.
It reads 9:11
